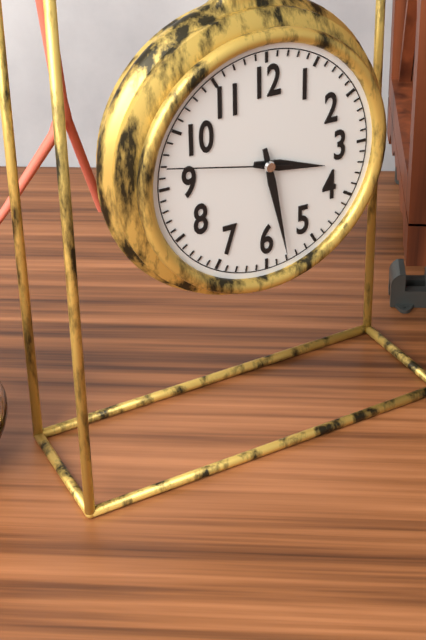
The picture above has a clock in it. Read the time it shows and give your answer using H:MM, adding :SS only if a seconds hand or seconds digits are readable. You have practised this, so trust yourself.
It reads 3:28:47
